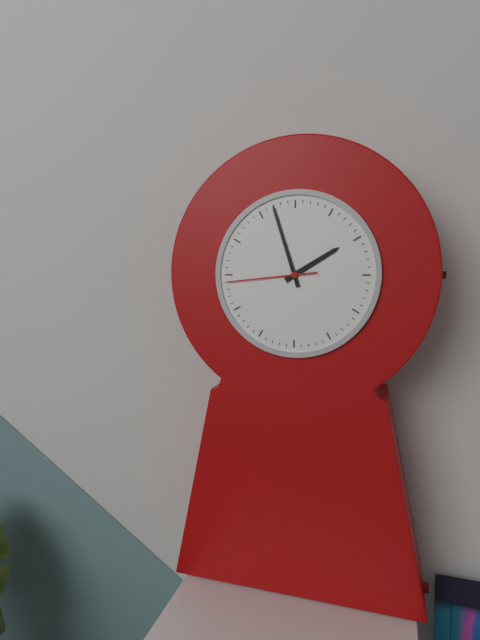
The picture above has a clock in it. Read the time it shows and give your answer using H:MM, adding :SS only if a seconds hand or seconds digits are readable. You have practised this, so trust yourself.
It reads 1:57:44
